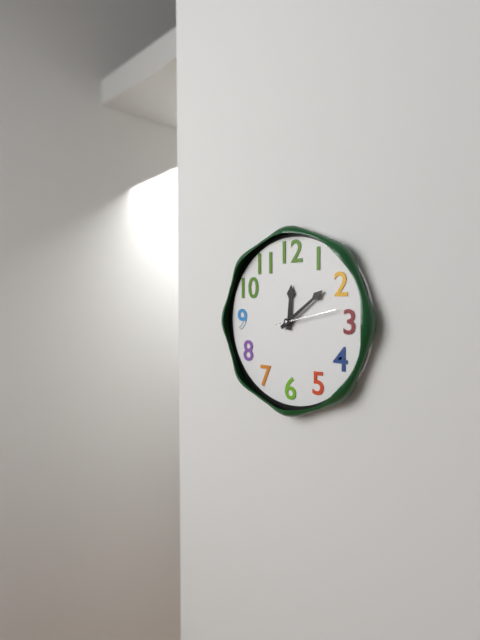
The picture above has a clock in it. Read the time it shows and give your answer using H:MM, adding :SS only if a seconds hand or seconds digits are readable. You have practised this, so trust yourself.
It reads 12:09:13
